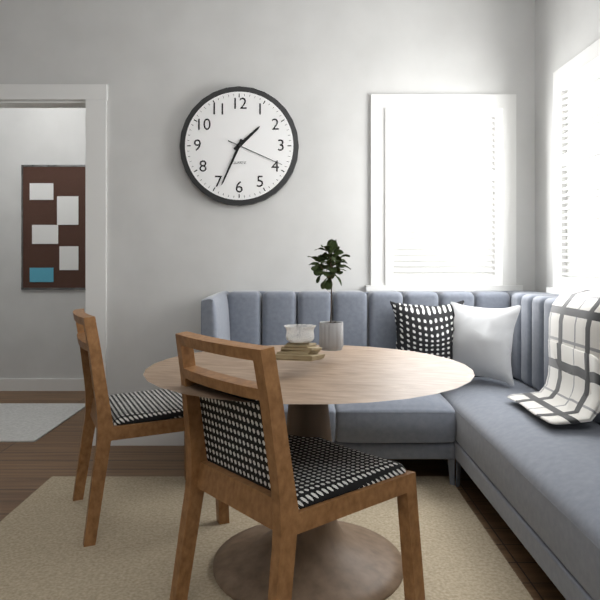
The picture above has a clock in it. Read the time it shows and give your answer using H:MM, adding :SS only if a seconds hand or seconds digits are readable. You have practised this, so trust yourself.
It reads 1:34:19
